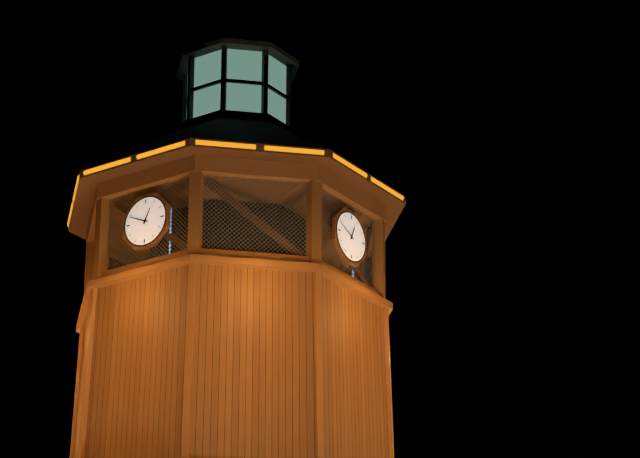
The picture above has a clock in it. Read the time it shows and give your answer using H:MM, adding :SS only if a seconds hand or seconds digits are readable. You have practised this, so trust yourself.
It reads 12:49
